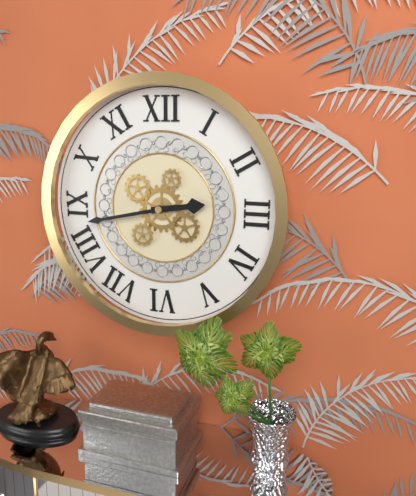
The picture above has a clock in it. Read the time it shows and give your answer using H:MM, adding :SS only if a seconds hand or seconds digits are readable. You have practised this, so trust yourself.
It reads 2:43
